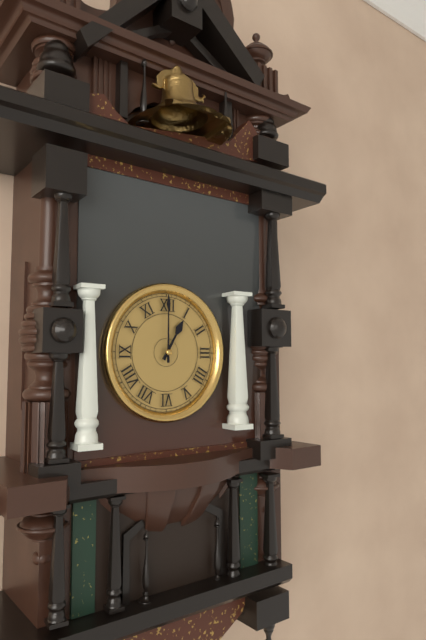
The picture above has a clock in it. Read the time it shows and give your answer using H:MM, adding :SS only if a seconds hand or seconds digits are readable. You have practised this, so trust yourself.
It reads 1:00
